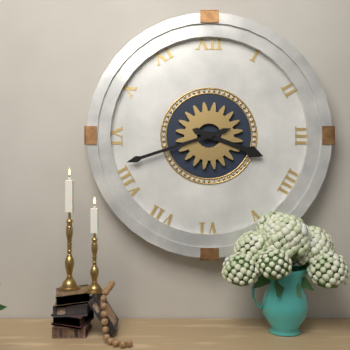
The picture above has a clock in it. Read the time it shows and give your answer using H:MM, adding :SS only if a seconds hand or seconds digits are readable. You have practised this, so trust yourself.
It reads 3:42
